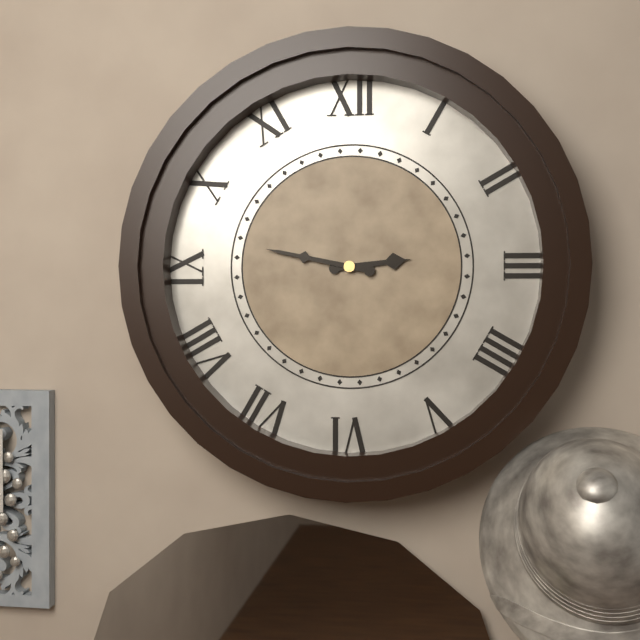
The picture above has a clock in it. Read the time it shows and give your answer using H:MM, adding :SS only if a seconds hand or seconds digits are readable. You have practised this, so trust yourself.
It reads 2:47
